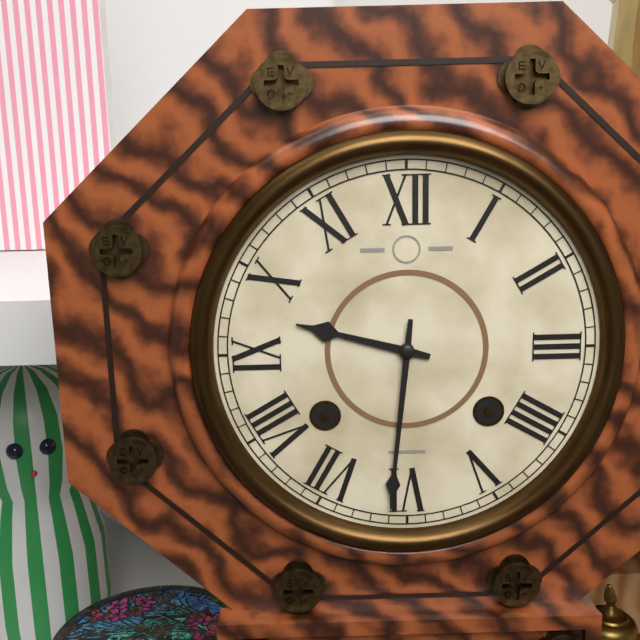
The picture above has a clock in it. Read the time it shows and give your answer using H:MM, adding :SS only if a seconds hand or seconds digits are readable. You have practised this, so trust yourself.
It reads 9:31
